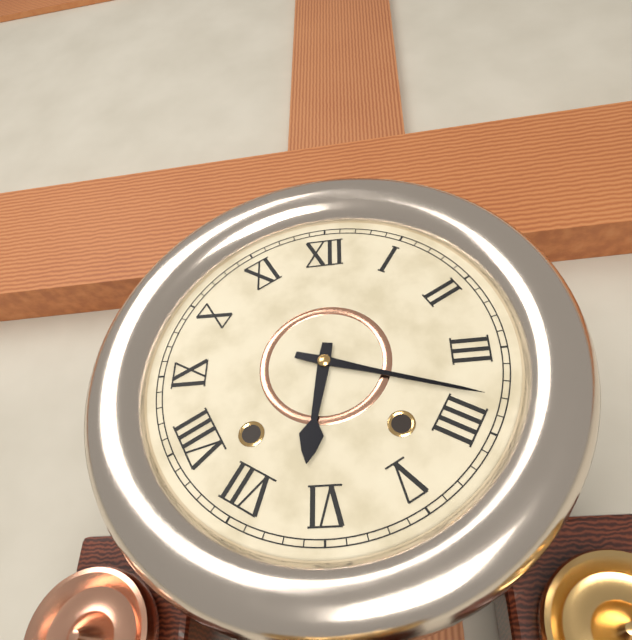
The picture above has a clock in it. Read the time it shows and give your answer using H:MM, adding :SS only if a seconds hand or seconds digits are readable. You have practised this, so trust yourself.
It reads 6:18
